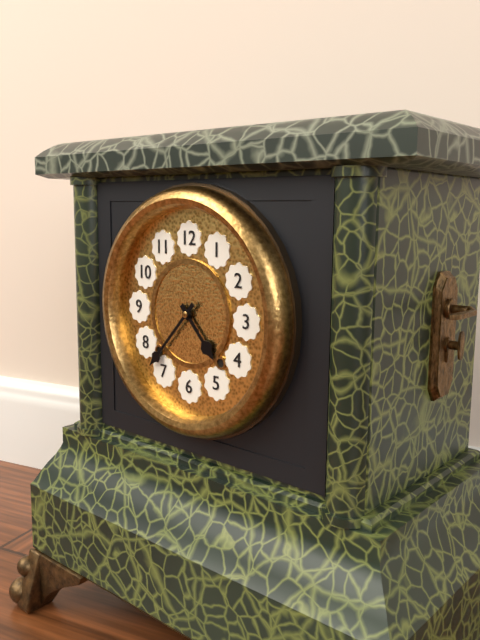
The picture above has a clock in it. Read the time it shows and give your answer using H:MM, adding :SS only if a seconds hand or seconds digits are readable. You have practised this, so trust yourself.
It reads 4:37
